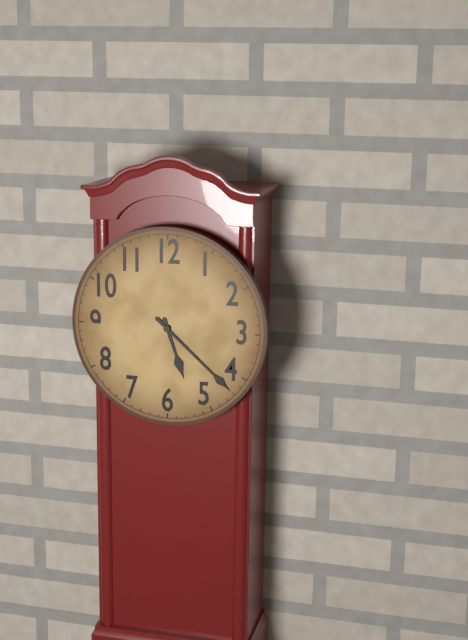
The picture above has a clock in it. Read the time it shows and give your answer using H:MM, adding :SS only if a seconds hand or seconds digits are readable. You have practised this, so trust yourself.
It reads 5:22
